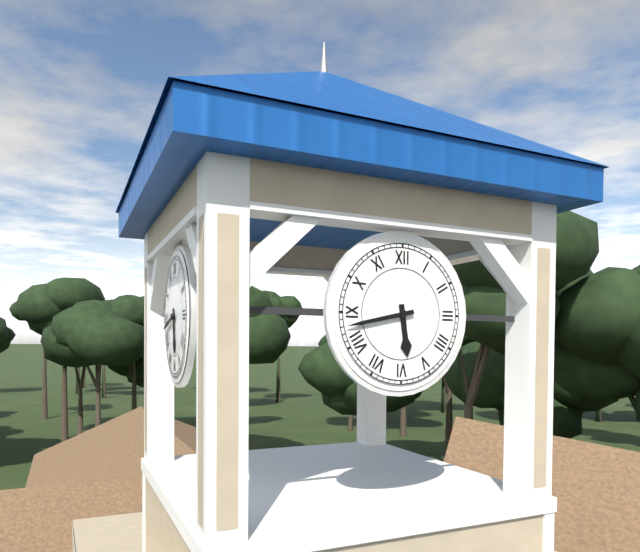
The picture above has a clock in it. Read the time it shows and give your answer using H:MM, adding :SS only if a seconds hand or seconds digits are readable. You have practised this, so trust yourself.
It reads 5:43
